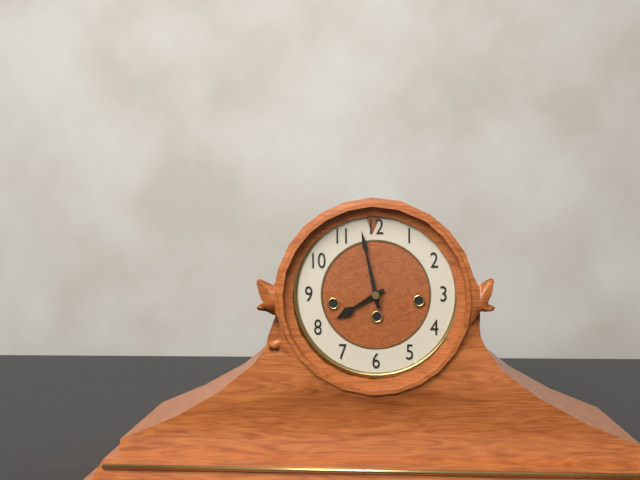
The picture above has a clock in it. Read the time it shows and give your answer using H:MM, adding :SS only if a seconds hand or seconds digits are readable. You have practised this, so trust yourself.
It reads 7:58
